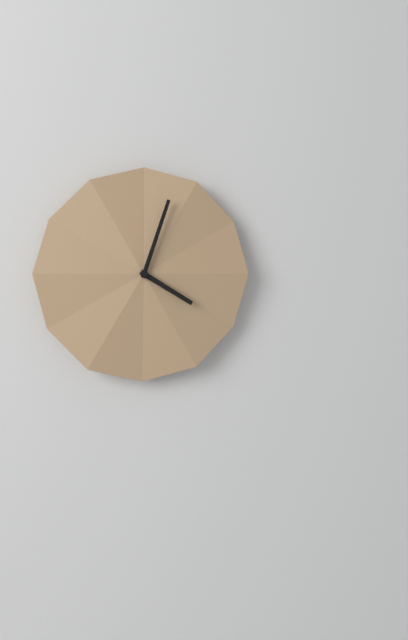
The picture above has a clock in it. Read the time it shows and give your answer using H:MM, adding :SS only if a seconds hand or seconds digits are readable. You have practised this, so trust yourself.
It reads 4:03
